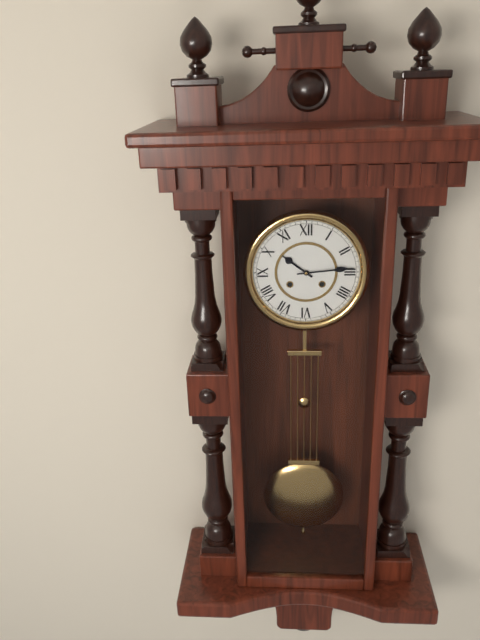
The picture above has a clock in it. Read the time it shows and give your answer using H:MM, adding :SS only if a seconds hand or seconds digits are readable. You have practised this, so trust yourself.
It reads 10:14
